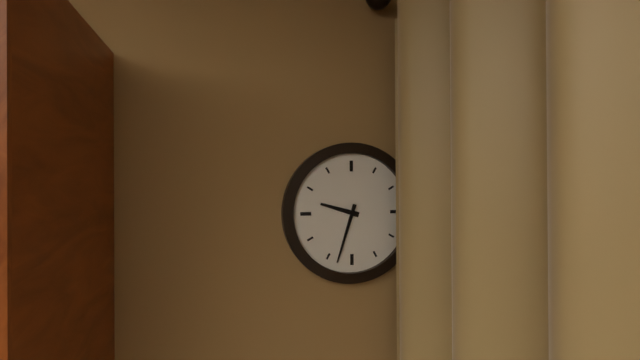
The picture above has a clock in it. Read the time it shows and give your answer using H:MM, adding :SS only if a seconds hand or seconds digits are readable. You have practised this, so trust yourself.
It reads 9:33
